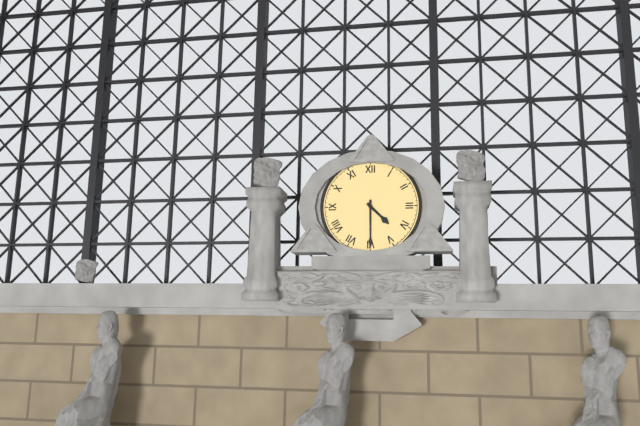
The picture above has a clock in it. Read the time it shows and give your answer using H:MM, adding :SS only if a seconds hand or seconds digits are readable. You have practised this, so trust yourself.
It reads 4:30
